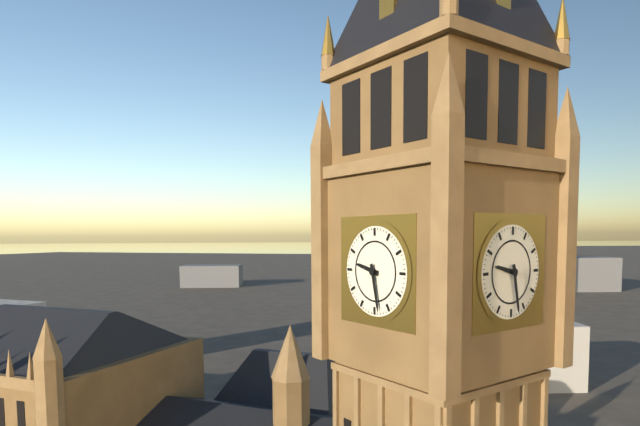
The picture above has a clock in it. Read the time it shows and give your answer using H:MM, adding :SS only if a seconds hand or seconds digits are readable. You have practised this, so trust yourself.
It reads 9:28
